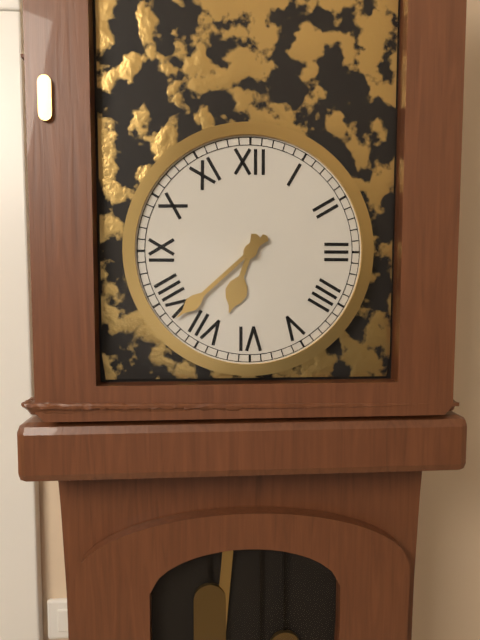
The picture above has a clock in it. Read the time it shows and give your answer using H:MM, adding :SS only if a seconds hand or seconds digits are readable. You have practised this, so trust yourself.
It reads 6:38
